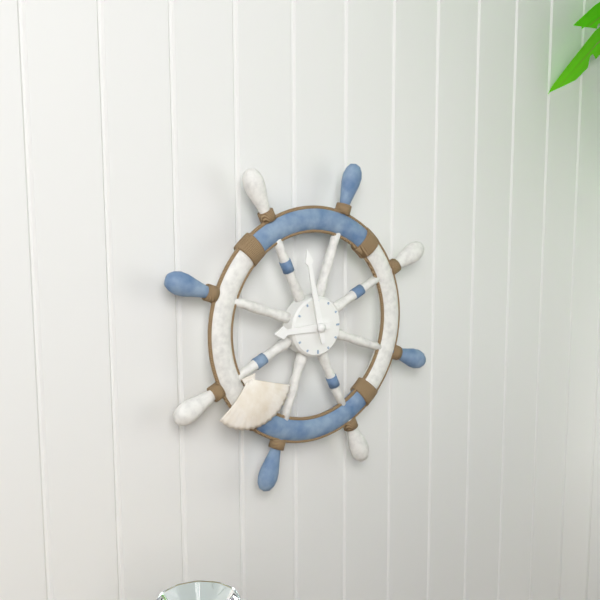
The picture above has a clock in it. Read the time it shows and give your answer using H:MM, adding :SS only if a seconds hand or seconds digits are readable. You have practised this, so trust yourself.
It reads 8:58
